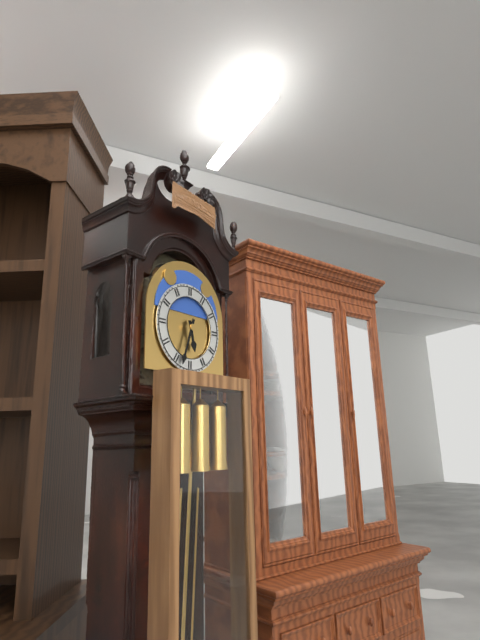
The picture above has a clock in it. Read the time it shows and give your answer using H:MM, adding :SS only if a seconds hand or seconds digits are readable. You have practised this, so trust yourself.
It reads 5:33
